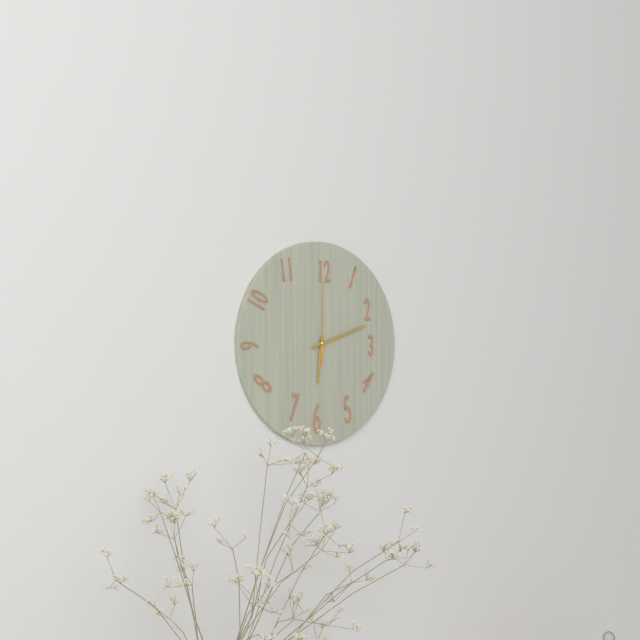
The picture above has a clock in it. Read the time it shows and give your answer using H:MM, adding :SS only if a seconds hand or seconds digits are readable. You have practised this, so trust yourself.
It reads 6:12:00
